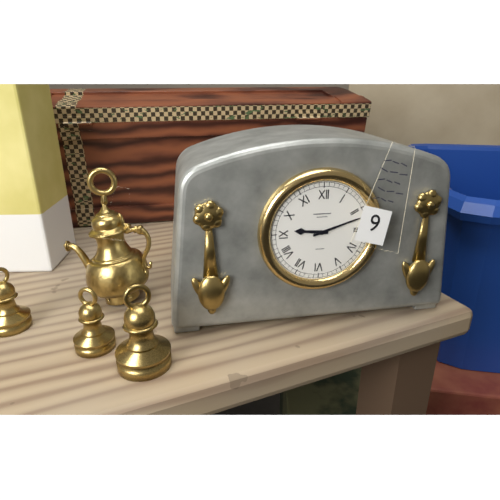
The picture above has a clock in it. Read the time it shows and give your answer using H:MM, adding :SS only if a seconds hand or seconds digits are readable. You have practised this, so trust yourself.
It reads 9:12
